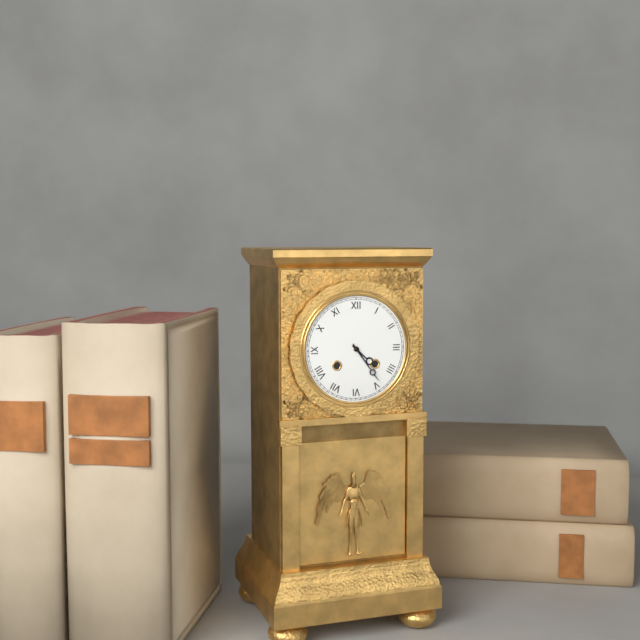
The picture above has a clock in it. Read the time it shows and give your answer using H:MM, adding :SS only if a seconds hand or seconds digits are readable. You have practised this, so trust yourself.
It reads 4:24
